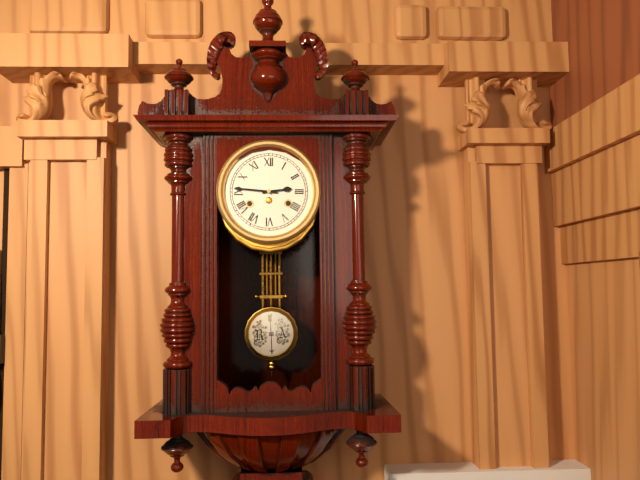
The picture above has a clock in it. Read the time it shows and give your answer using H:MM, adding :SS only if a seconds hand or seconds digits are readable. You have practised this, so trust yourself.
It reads 2:46
